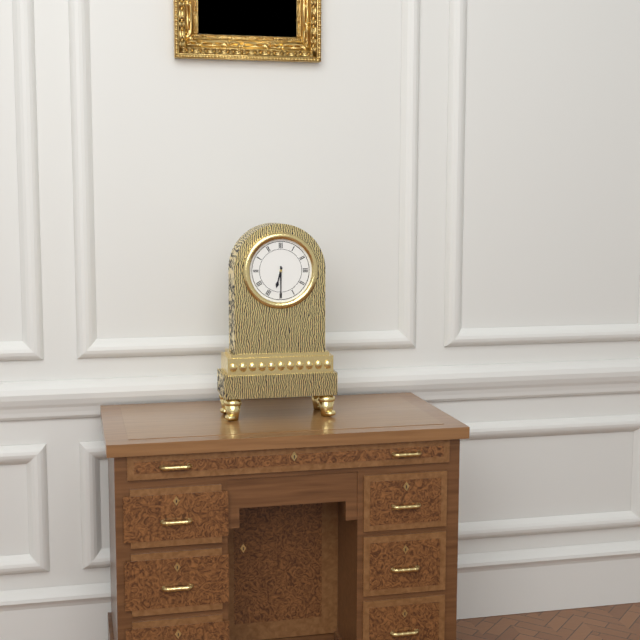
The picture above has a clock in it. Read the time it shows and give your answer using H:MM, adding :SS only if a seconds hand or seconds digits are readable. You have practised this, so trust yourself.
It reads 6:30
